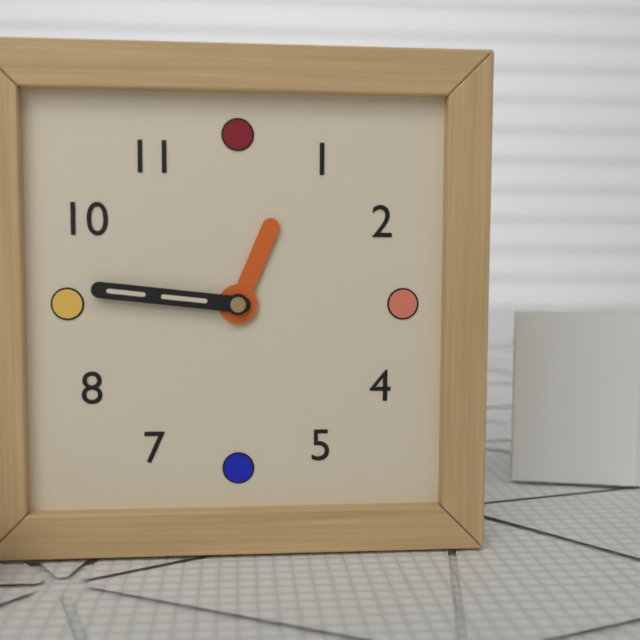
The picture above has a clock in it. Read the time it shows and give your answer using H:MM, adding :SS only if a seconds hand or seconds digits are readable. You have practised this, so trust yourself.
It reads 12:46
